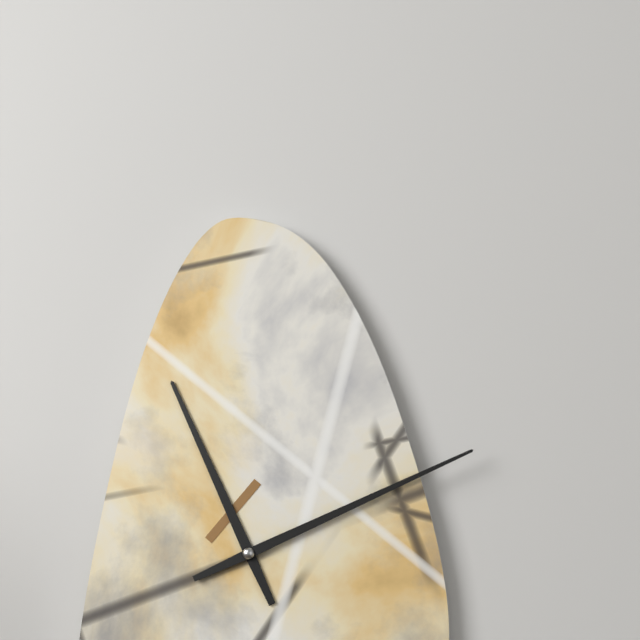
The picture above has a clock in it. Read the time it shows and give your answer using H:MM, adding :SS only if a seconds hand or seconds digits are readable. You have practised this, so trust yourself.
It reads 11:11
